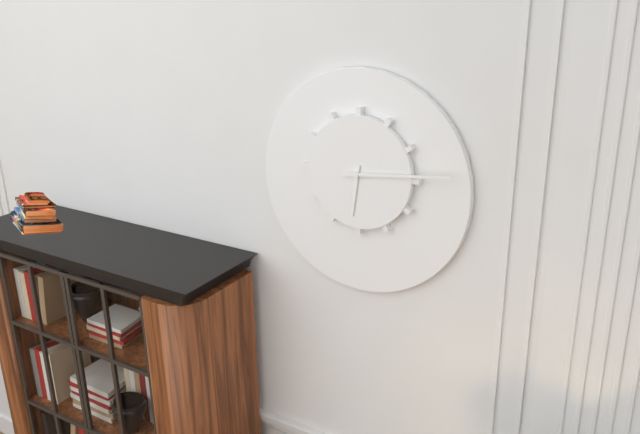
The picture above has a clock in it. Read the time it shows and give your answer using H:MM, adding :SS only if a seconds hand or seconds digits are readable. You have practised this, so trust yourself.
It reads 6:14
